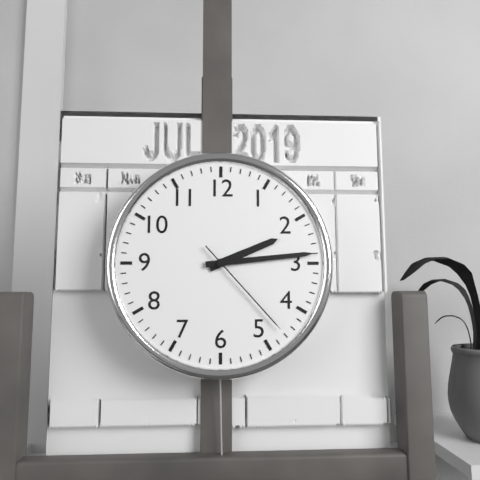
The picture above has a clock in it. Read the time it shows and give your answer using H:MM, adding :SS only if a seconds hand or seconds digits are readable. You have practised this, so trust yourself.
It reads 2:14:23
